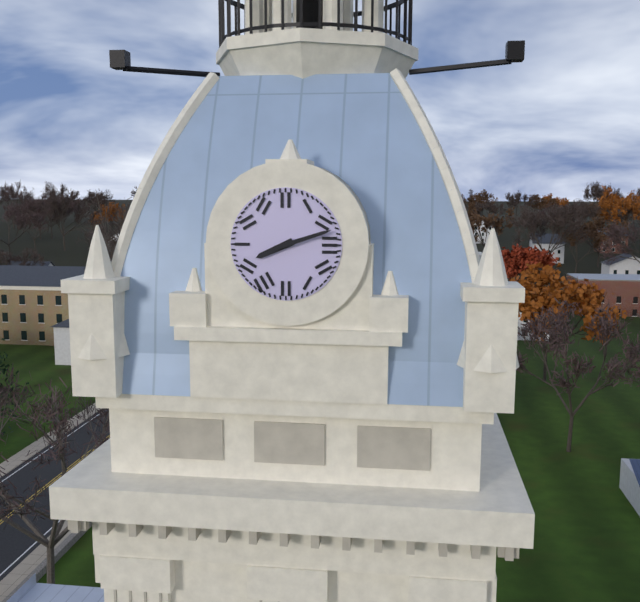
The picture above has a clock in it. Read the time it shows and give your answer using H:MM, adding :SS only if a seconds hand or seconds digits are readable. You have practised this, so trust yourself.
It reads 8:12
